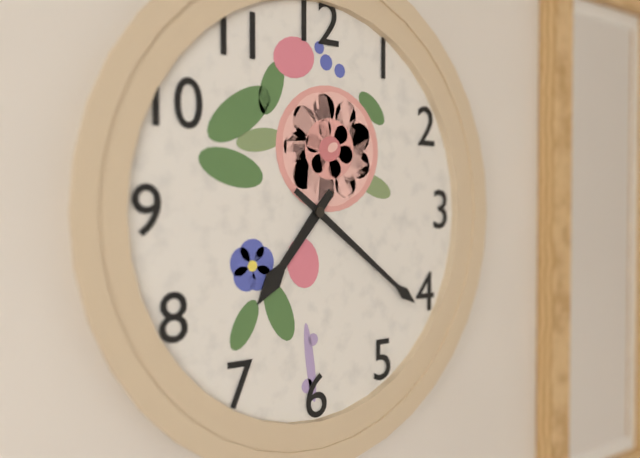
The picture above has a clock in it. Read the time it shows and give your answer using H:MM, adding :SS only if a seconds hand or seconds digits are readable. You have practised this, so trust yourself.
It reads 7:21
